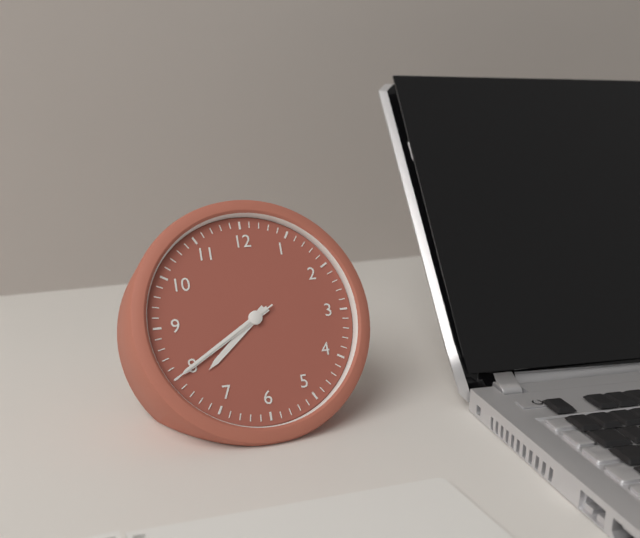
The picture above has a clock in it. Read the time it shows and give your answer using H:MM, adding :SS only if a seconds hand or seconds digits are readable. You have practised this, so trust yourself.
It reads 7:40:40
